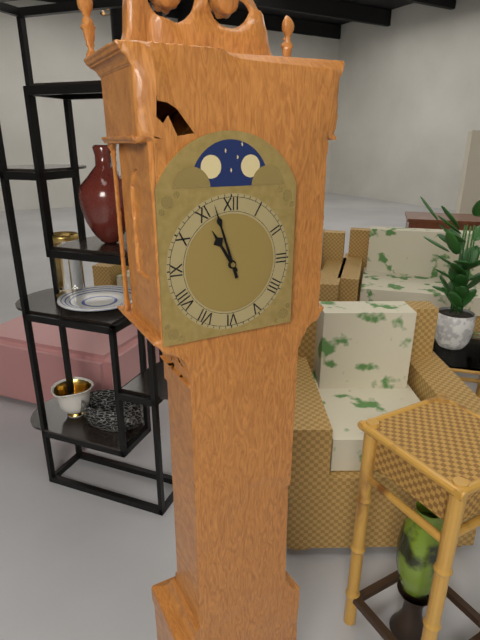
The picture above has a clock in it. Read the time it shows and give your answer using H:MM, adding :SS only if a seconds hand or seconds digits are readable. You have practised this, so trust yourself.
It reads 10:57
